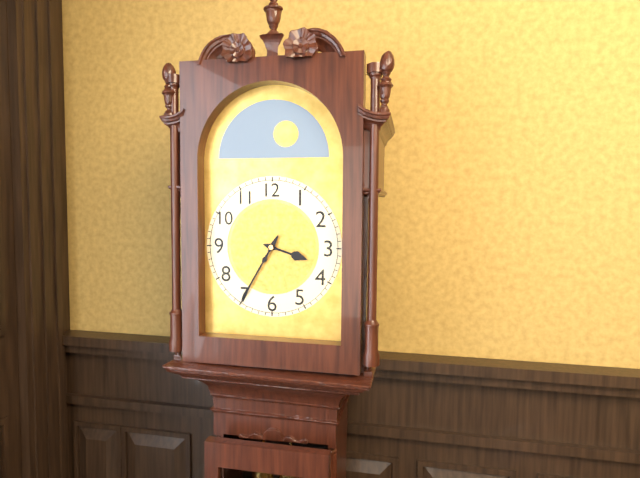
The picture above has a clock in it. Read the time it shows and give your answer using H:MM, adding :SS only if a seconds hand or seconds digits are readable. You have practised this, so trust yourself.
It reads 3:35
